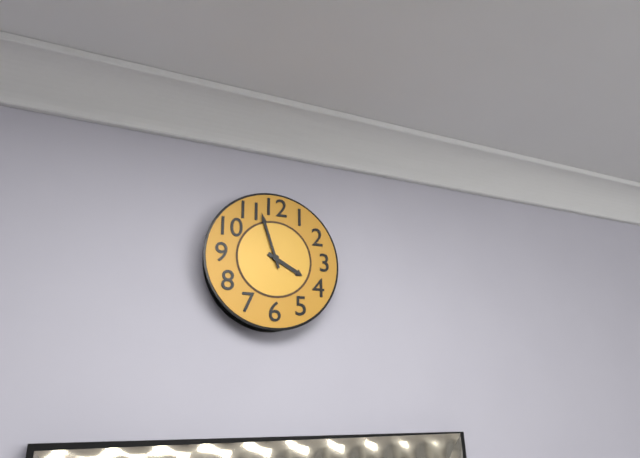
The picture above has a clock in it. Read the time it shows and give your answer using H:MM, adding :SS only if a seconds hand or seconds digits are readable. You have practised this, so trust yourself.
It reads 3:57
